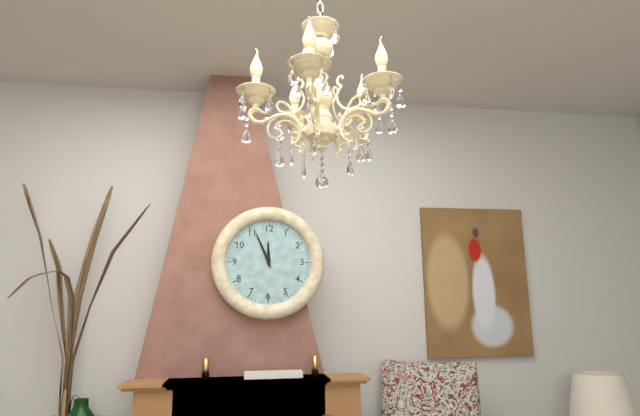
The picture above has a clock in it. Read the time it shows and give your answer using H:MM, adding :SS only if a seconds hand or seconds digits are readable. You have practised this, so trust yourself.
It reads 11:56
